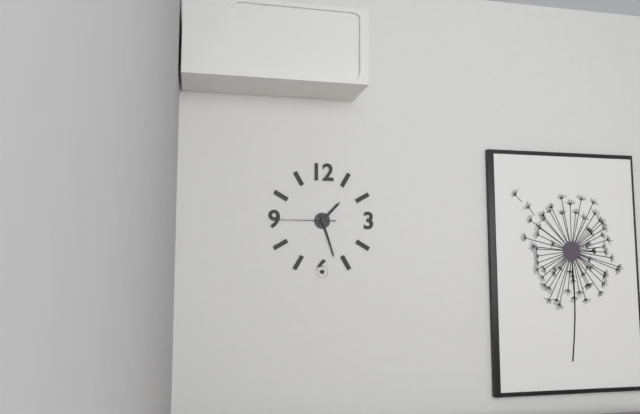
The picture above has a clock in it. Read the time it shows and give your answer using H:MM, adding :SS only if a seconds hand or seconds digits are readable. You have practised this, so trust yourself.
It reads 1:27:45
